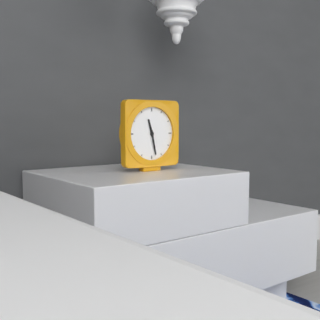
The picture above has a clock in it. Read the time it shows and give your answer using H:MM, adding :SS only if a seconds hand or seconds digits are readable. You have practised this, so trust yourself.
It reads 11:28
